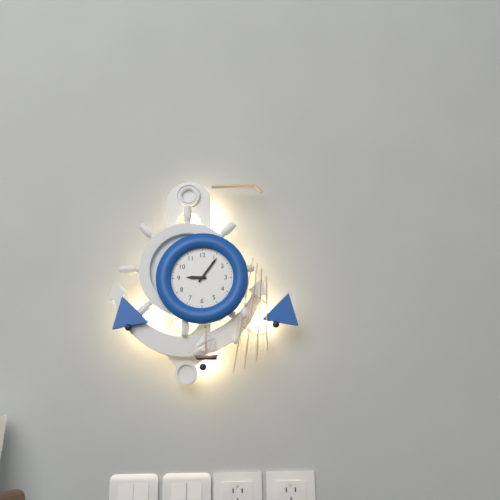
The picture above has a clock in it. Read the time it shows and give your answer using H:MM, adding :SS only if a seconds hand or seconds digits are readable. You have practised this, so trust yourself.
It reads 9:06
